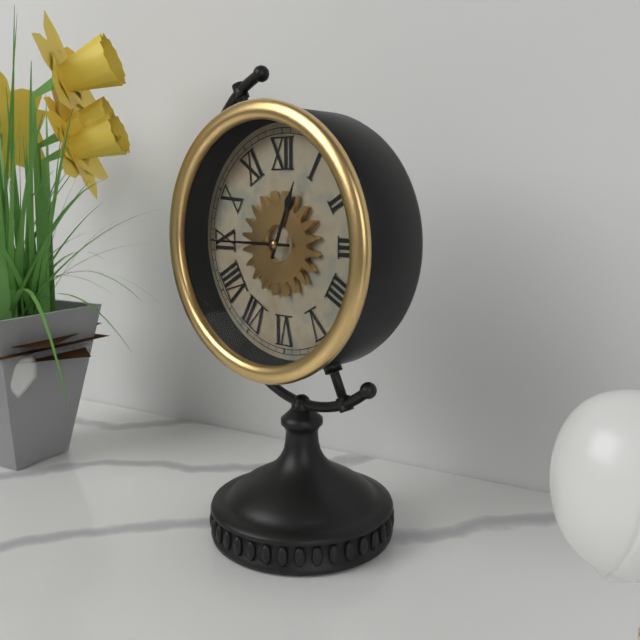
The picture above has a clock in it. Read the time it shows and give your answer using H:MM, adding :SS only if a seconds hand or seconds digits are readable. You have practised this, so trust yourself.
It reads 12:45
